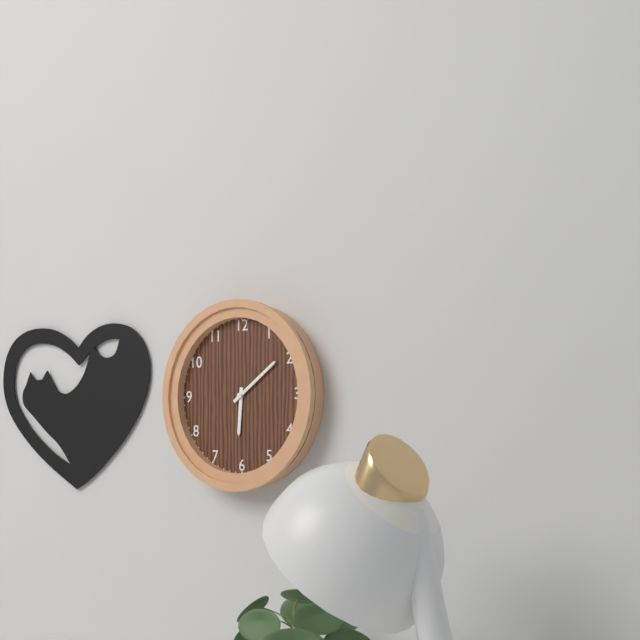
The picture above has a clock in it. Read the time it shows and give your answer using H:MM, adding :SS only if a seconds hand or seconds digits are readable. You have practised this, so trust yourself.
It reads 6:09
